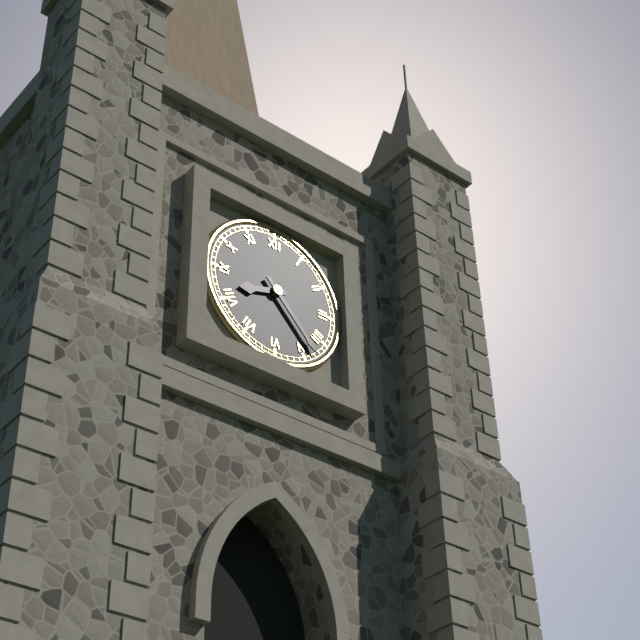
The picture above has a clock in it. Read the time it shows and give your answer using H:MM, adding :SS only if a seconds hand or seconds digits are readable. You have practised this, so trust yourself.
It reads 8:23
